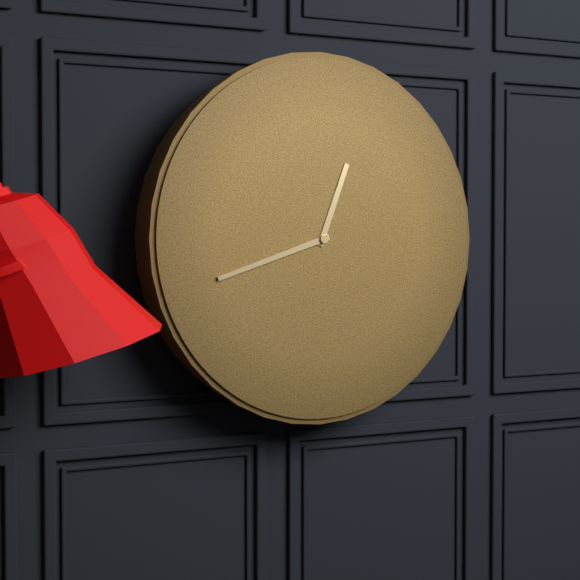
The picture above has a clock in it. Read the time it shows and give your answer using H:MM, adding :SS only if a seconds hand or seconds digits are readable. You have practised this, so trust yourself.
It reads 12:42
